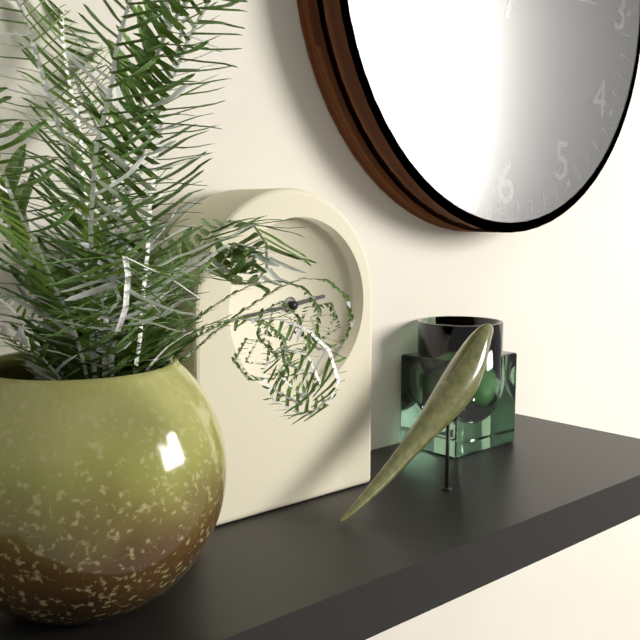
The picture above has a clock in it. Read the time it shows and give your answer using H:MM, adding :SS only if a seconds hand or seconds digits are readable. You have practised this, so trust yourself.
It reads 2:44
